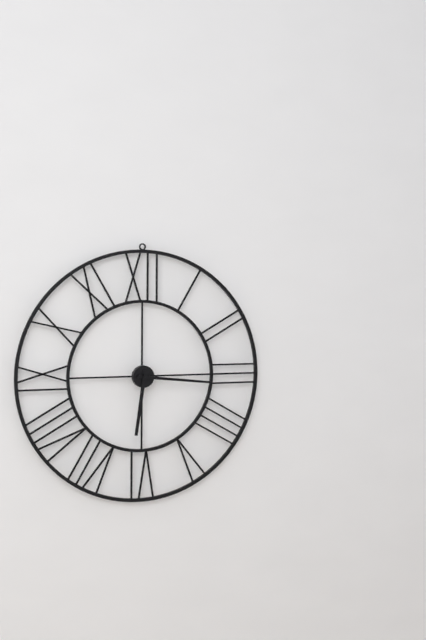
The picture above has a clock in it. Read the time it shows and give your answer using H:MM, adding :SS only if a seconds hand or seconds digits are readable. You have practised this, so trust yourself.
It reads 6:16
